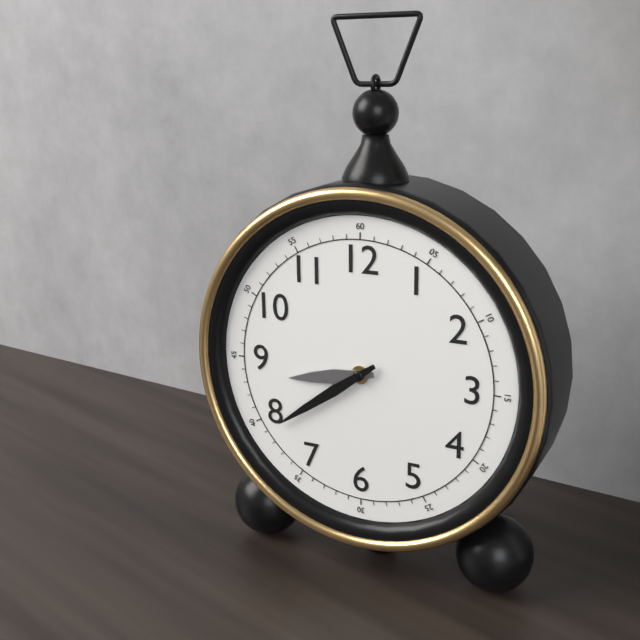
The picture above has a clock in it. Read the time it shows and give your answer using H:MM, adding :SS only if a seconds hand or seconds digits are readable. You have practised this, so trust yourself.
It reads 8:39
